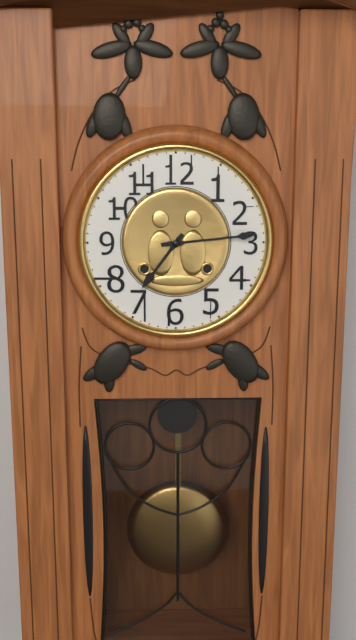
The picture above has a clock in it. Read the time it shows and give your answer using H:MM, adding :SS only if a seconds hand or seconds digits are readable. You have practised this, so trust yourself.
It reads 7:14
